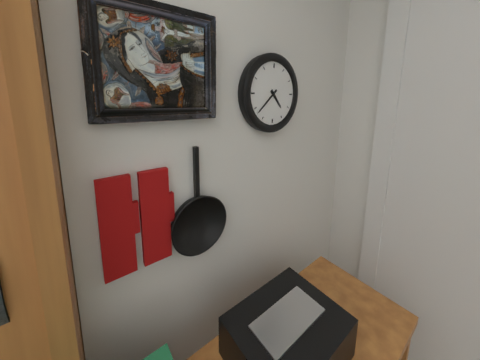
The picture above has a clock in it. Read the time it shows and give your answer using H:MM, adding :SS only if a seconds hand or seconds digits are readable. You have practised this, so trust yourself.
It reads 4:38
